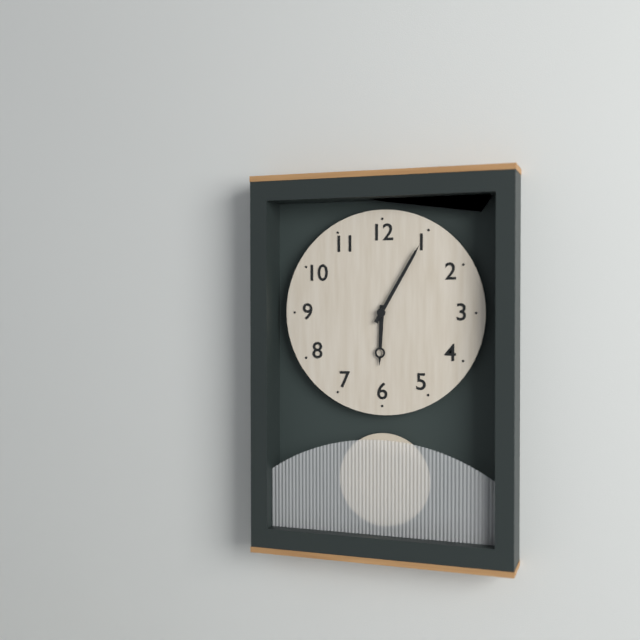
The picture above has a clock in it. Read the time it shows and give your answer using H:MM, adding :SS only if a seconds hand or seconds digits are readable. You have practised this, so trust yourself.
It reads 6:05
